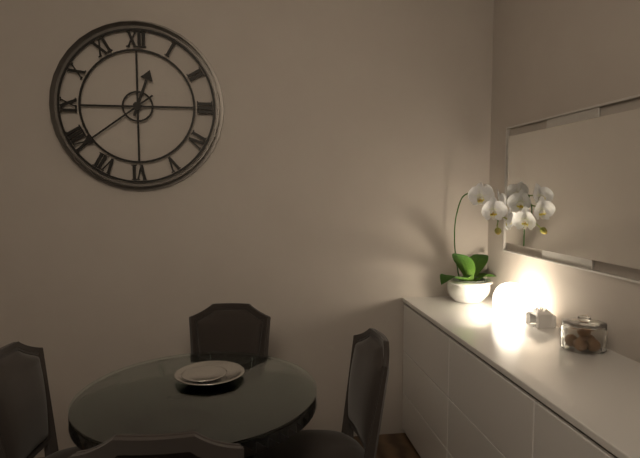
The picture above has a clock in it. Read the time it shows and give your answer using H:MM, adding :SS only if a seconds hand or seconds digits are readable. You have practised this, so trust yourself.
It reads 12:39
